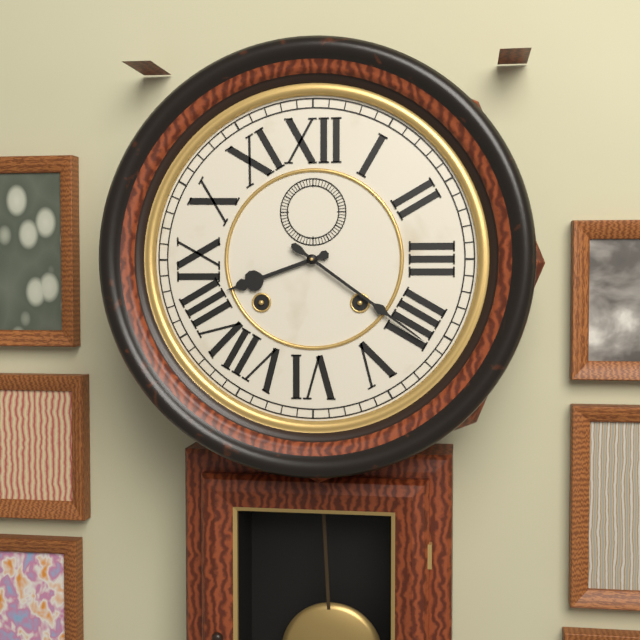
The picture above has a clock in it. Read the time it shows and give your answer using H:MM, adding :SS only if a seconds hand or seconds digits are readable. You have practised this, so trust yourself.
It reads 8:21
